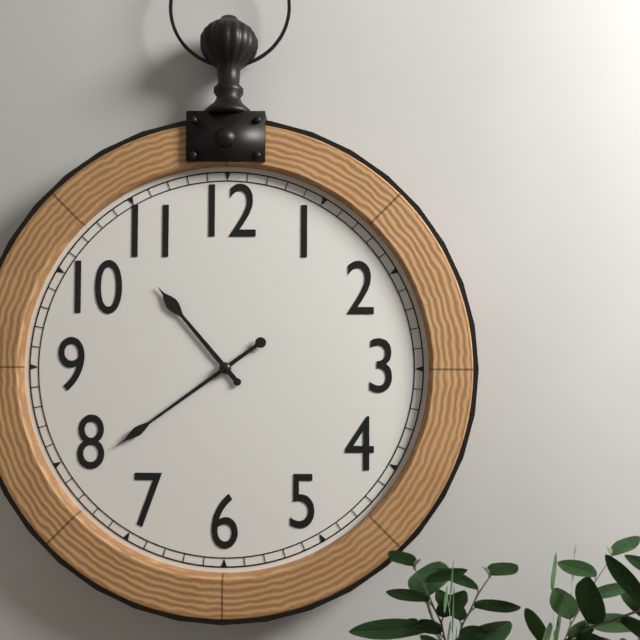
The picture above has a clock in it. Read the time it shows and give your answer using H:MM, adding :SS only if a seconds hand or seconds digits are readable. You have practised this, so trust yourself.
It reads 10:39
